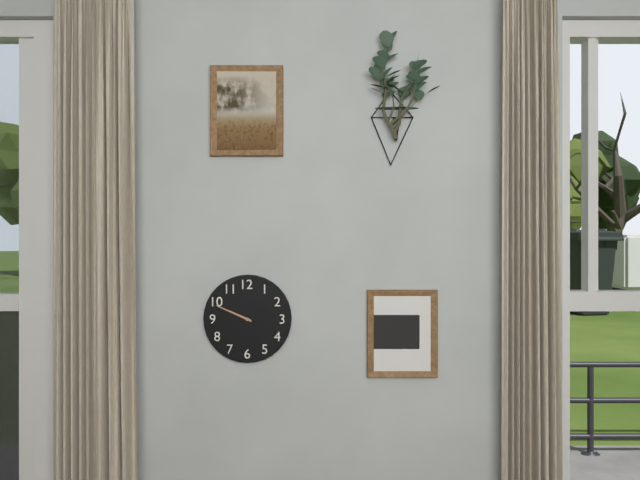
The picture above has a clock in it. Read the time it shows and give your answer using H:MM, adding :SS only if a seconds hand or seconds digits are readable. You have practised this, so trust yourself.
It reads 9:49
